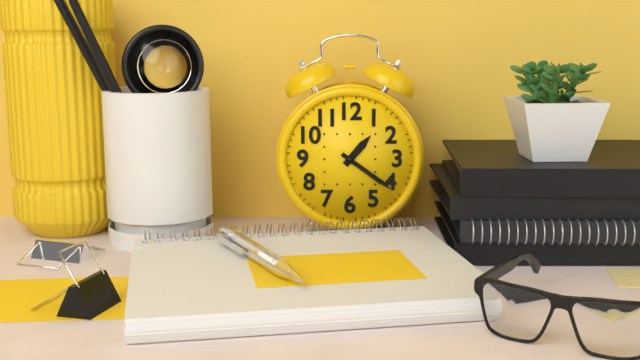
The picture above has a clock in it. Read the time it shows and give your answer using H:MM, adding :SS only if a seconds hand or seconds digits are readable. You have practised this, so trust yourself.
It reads 1:21
